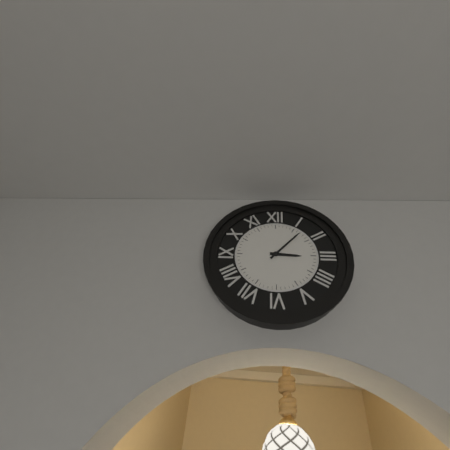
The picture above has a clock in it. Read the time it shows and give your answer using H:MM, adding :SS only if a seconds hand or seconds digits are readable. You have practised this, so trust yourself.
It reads 3:07
